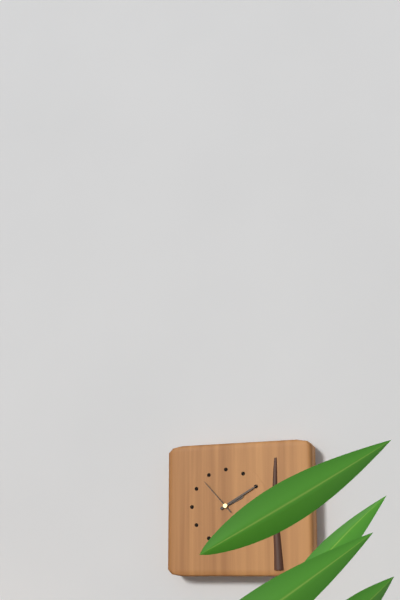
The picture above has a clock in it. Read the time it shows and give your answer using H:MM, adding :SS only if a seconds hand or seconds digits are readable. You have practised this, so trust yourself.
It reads 2:10
